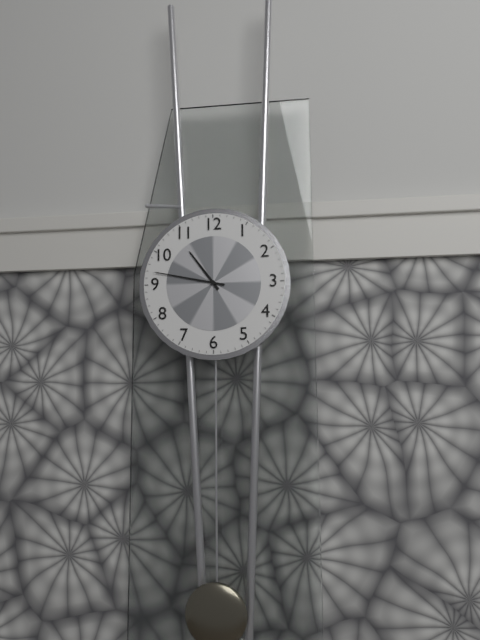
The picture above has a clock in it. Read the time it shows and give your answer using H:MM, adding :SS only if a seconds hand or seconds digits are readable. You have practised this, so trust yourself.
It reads 10:47
